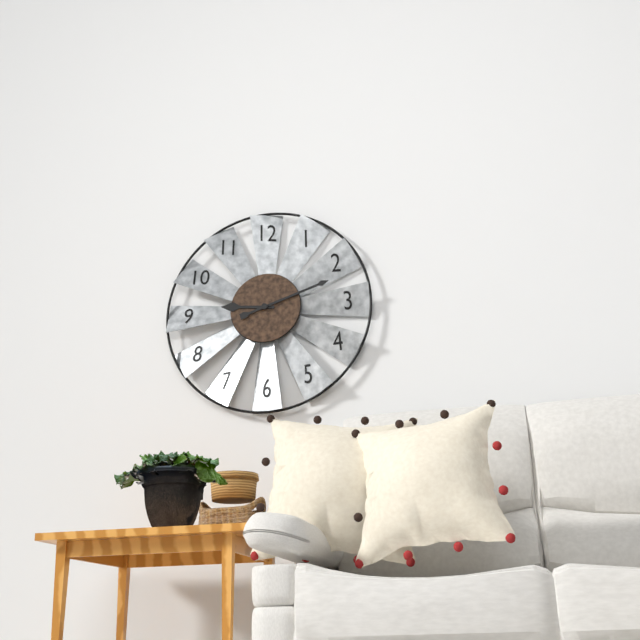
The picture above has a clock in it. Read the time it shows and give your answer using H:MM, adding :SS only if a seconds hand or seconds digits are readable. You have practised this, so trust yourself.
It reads 9:12
